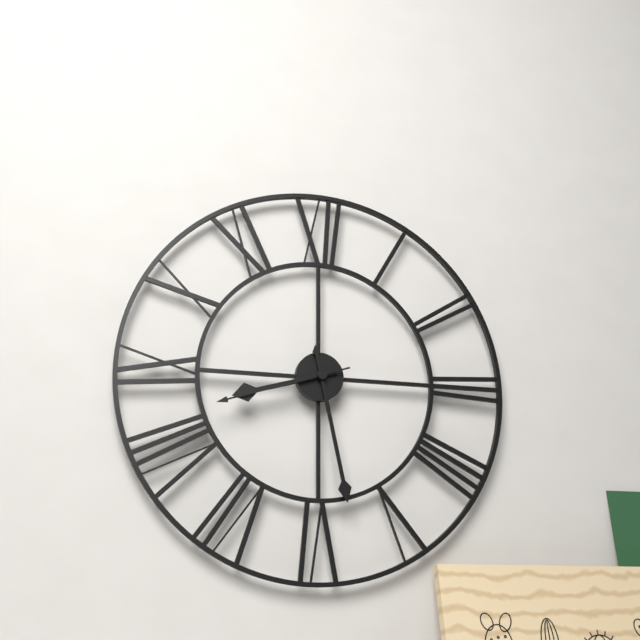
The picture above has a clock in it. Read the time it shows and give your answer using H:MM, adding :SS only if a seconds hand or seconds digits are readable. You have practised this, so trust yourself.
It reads 8:28:42
